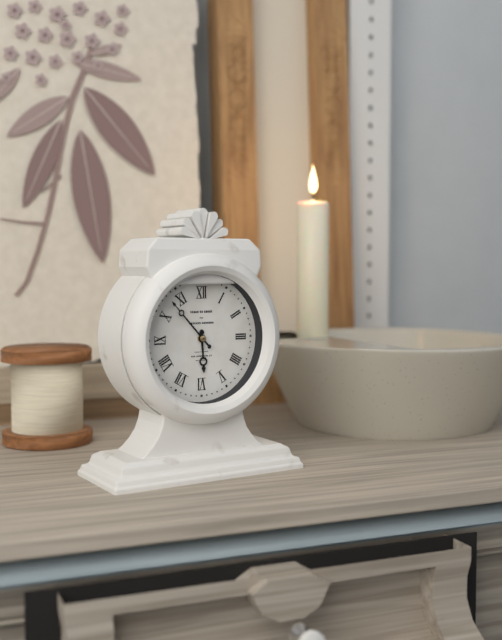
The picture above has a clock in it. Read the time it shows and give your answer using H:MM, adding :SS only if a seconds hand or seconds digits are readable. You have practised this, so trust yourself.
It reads 5:53
